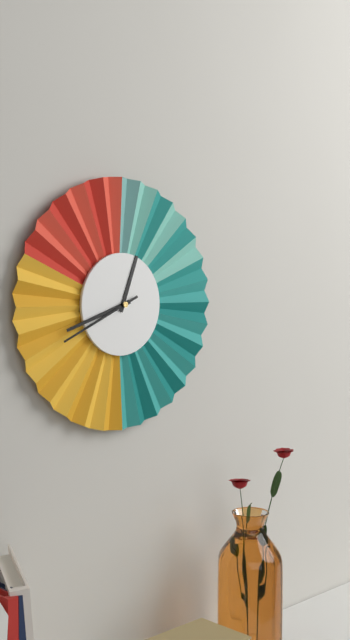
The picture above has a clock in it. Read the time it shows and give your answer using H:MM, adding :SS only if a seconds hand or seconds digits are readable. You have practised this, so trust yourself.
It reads 12:42:41
